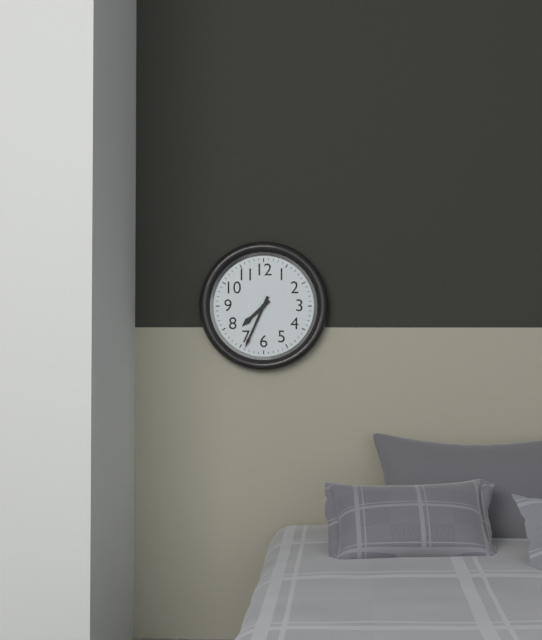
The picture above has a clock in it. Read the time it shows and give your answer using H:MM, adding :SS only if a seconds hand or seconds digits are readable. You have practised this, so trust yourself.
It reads 7:34
